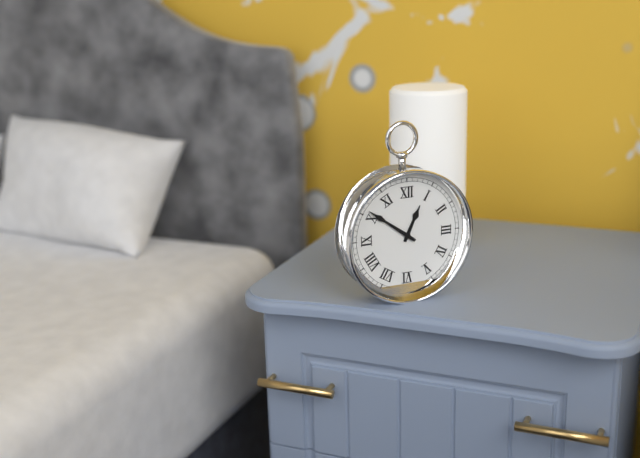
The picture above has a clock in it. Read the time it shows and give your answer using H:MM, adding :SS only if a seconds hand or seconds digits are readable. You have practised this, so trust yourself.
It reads 12:51
